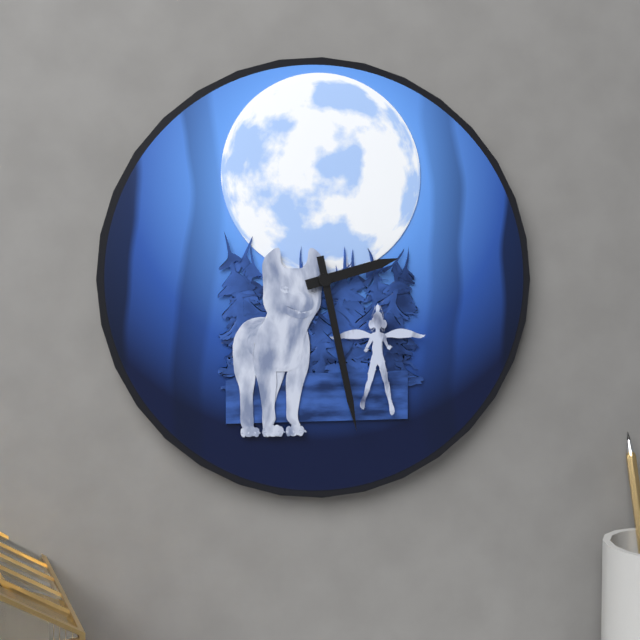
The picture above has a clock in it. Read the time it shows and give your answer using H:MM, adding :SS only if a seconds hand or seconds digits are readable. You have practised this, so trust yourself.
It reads 2:28
